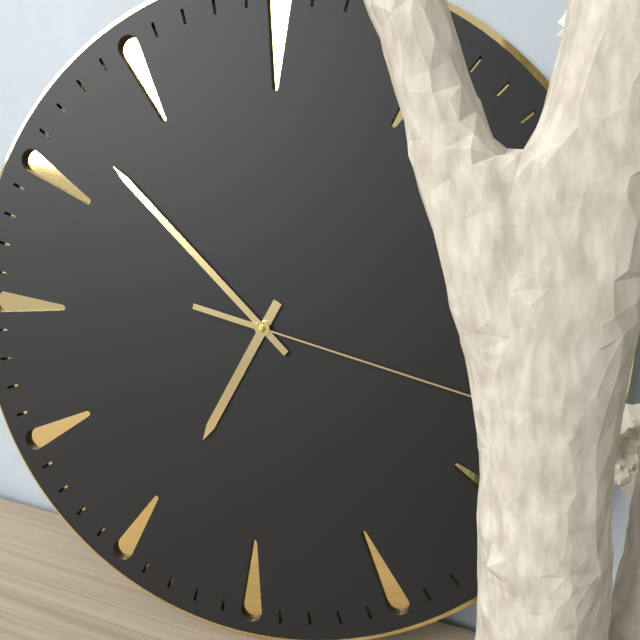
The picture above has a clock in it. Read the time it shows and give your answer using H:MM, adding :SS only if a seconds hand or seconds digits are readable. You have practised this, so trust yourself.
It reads 6:52:17
